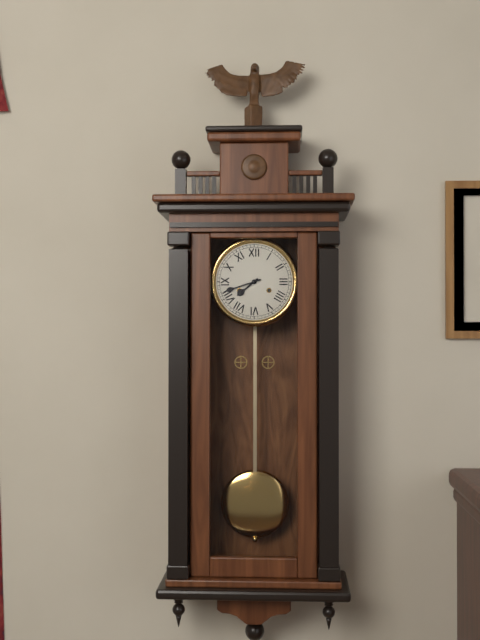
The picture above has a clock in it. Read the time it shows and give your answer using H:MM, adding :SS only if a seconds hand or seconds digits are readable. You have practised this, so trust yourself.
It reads 7:42
